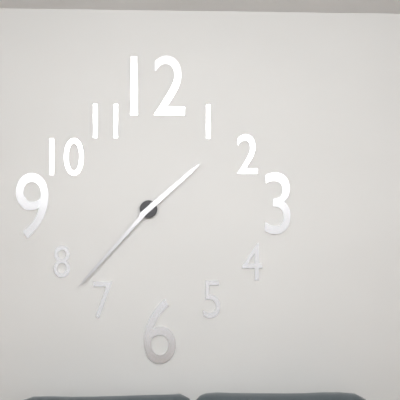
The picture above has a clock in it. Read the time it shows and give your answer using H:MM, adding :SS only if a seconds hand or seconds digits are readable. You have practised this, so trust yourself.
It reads 1:37
